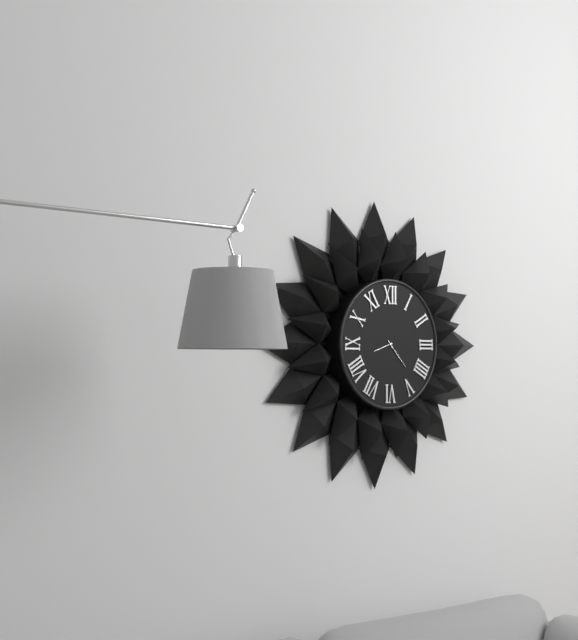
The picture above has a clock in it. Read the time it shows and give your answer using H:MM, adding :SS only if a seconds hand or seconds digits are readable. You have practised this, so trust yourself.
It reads 8:23
